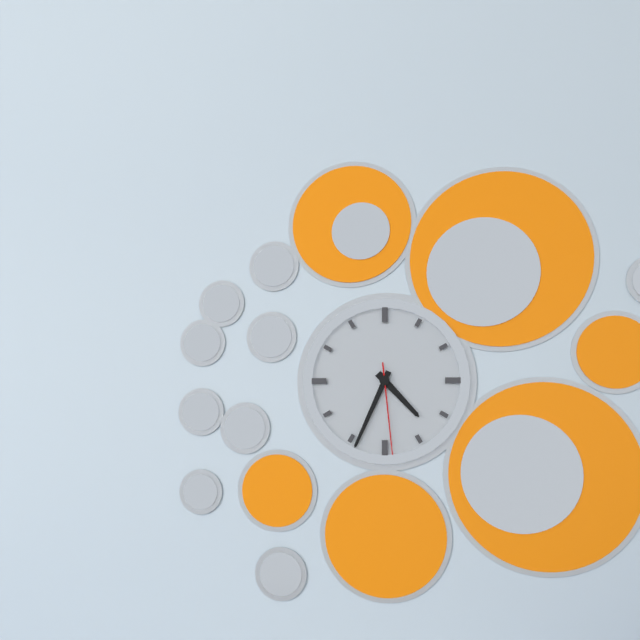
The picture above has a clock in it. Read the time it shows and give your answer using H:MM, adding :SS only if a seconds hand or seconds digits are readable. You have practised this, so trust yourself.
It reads 4:34:29
